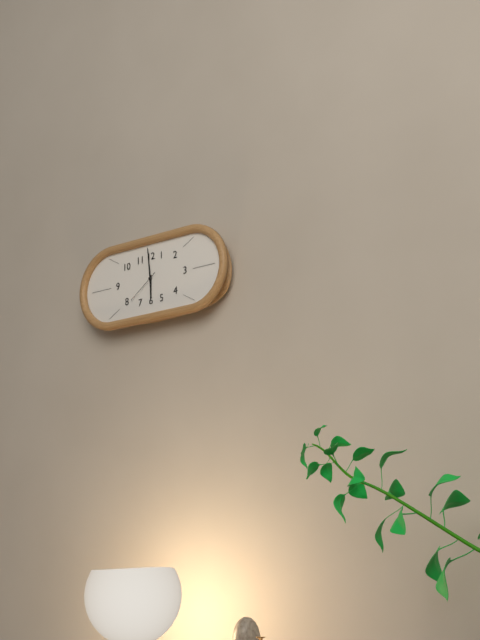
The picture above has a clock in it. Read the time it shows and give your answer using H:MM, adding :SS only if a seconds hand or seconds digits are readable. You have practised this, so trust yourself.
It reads 5:59
